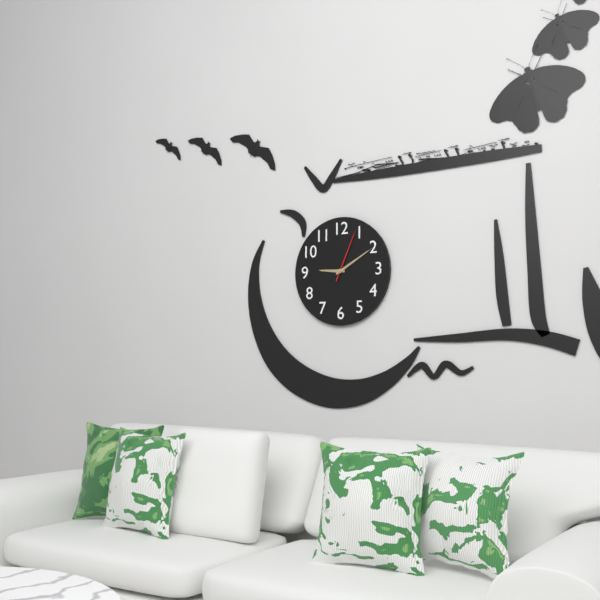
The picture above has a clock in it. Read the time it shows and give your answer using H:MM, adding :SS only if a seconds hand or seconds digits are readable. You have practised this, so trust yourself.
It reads 9:10:04
